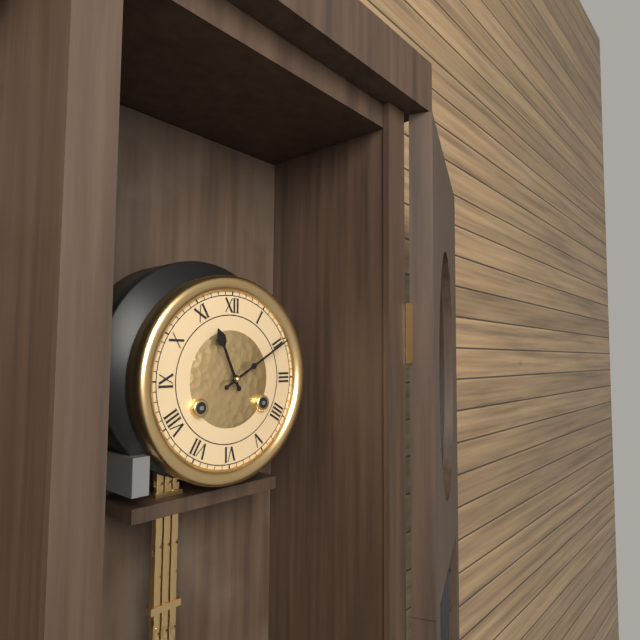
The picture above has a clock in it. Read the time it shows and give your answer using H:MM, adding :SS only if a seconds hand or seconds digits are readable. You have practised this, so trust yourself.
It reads 11:10
